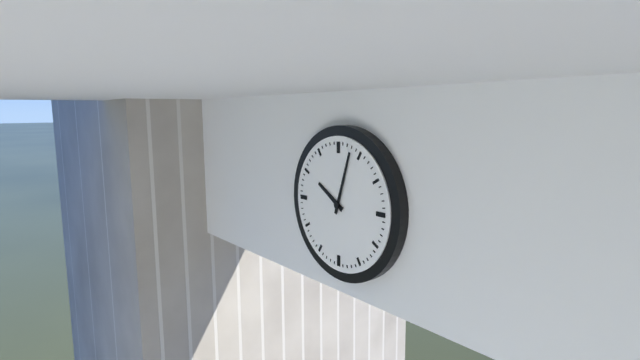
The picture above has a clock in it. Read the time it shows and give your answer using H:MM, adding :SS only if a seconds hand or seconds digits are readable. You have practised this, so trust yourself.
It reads 10:03
